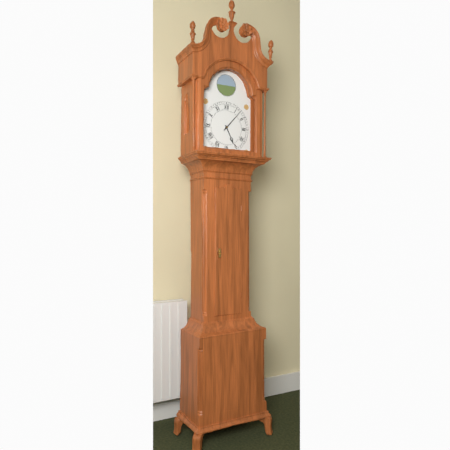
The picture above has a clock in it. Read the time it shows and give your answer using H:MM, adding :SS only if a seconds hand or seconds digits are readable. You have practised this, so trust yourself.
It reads 5:07
